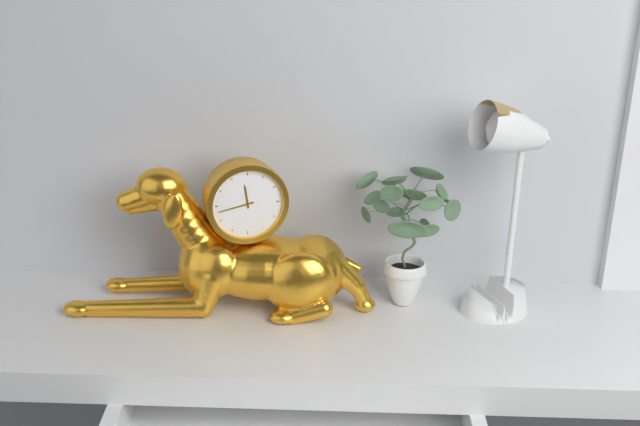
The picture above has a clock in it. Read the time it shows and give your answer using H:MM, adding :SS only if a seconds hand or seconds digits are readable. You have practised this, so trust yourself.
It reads 11:43
